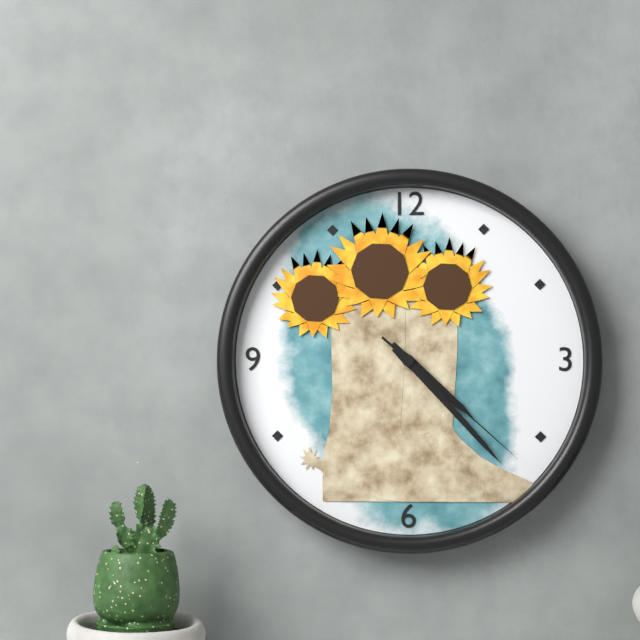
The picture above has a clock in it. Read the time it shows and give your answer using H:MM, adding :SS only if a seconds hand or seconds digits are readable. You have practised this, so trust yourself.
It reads 4:23:22
